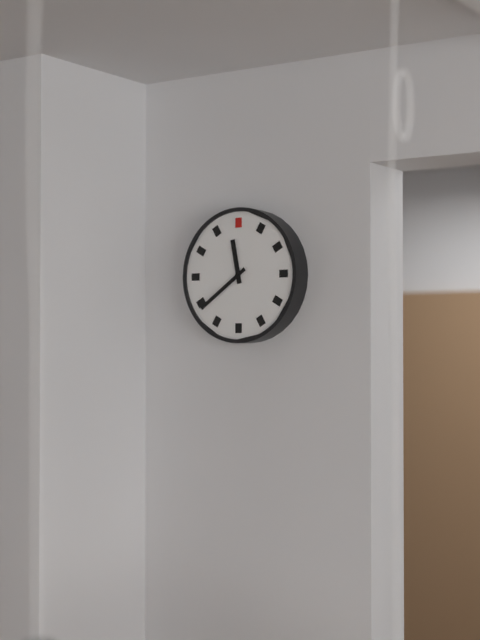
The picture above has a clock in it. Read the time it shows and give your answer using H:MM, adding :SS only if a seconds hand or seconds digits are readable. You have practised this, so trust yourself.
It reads 11:39
